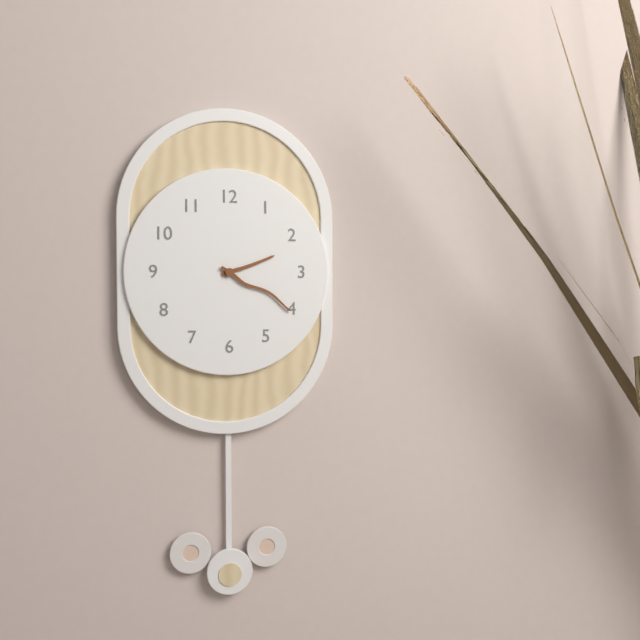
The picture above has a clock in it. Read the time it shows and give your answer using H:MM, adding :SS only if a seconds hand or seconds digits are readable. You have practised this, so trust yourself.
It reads 2:20
